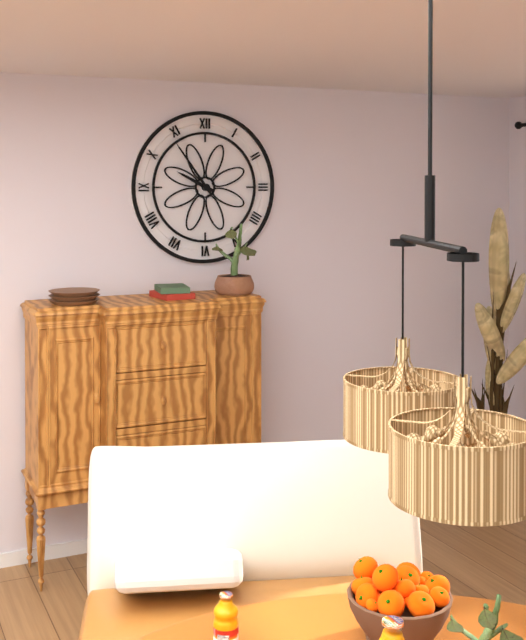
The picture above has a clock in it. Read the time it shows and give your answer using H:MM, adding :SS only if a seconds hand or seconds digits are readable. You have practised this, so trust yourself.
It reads 9:54
